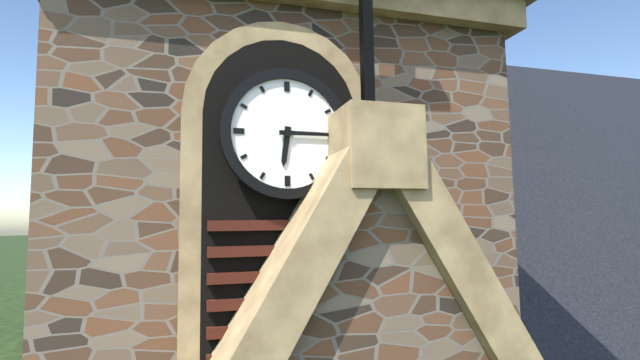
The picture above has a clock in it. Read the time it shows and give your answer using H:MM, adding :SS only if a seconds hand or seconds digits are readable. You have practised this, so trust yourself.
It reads 6:15
